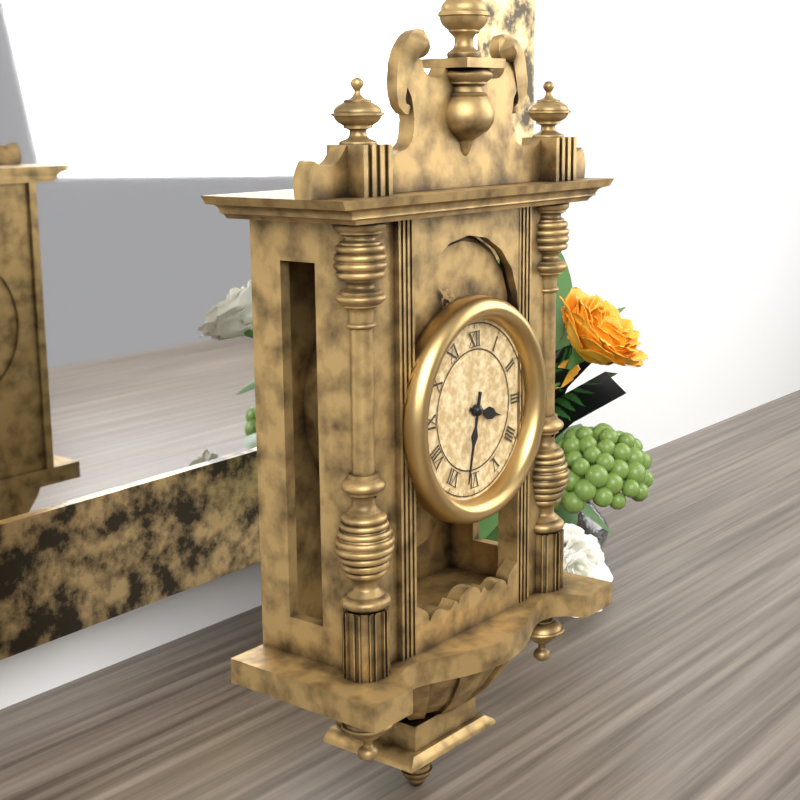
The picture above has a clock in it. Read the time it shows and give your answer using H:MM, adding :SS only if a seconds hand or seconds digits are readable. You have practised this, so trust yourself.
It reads 3:32
